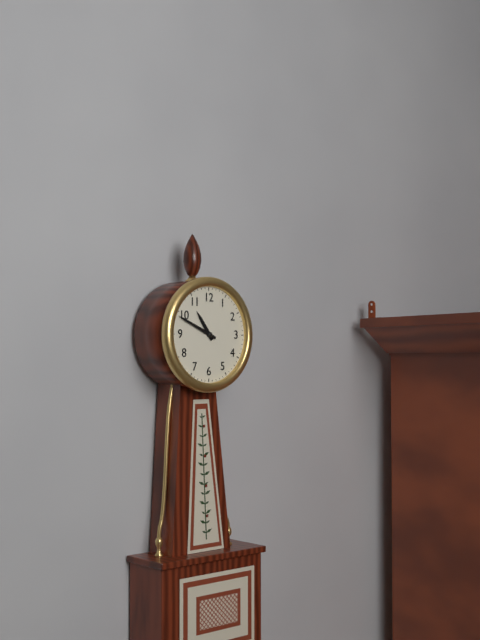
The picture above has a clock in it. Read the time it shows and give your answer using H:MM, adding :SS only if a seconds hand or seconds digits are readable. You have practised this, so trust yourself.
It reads 10:49
